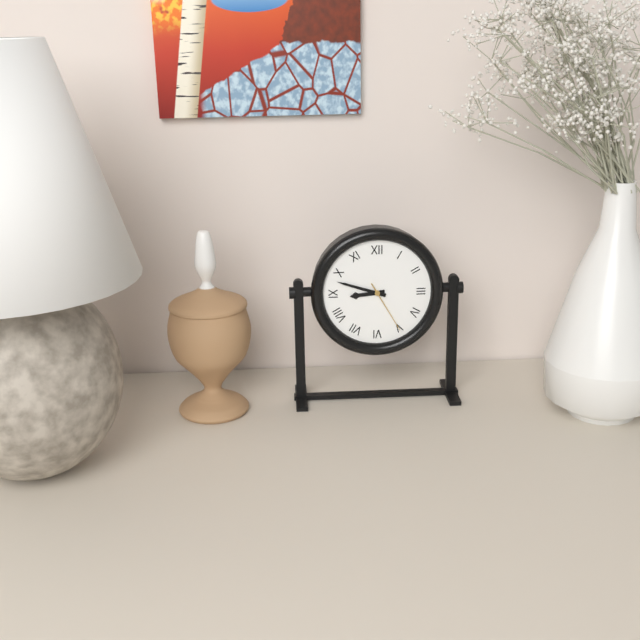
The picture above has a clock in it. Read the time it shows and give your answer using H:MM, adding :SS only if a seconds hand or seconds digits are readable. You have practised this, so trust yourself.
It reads 8:48:25
